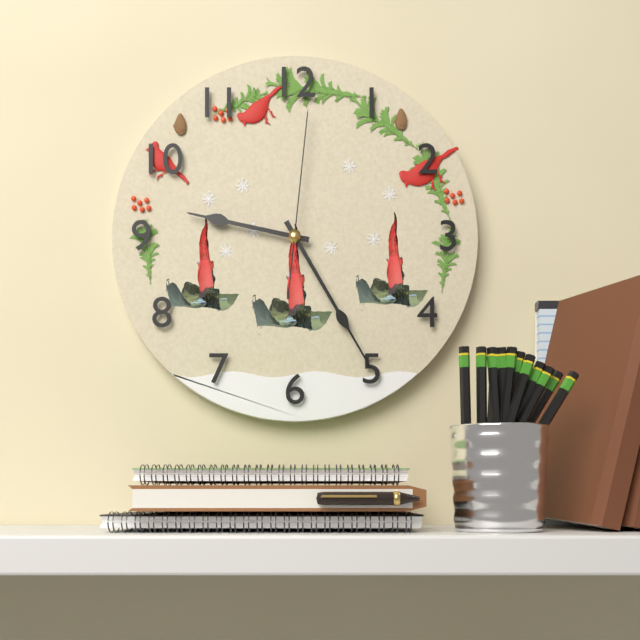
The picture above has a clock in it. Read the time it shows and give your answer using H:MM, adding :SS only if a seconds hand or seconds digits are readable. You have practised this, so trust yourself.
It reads 9:25:01
